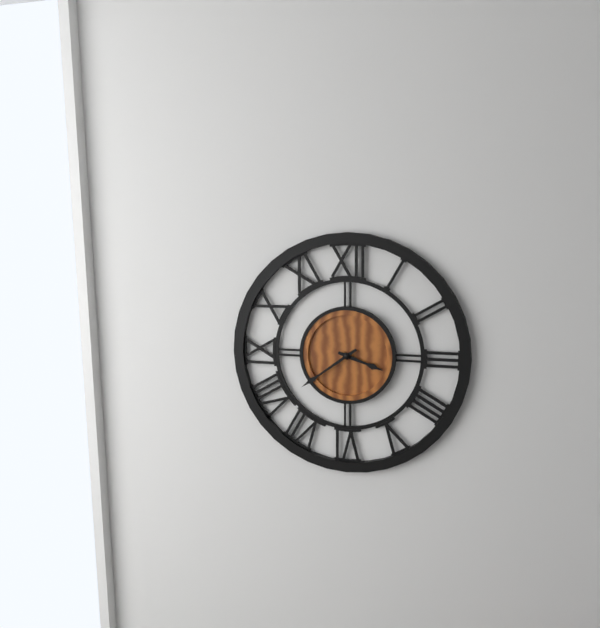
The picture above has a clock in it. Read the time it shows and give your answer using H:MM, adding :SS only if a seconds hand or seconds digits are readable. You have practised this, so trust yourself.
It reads 3:39
